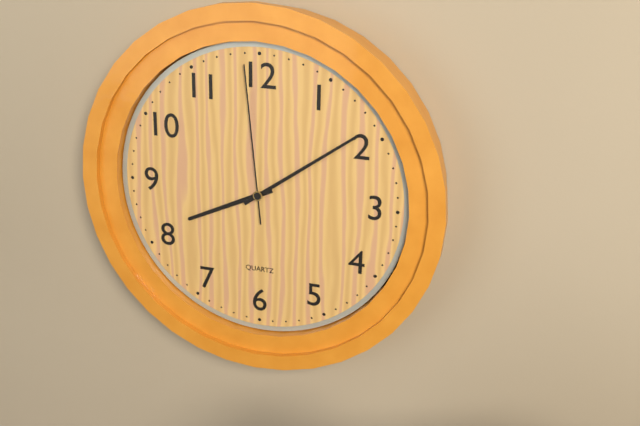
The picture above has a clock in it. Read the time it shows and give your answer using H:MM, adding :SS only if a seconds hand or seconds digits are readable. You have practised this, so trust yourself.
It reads 8:09:59
